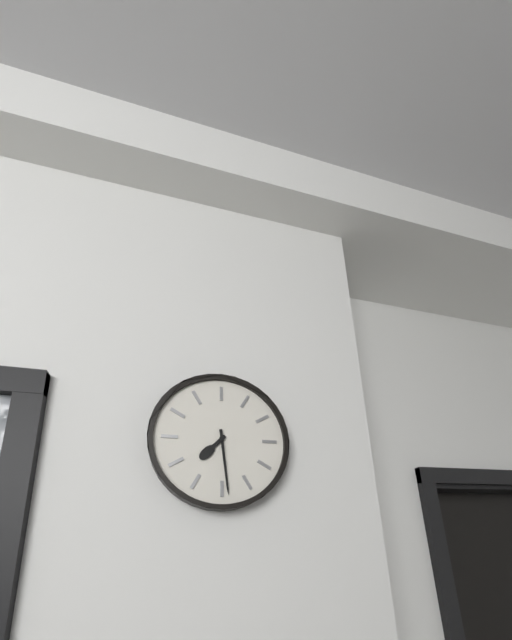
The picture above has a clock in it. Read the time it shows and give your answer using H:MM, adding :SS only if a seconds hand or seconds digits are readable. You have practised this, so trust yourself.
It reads 7:29
